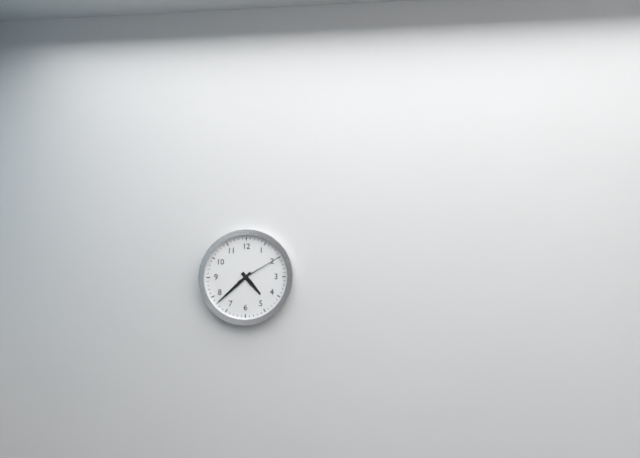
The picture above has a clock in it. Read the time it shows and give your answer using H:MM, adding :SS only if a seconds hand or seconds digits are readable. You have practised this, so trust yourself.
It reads 4:38
